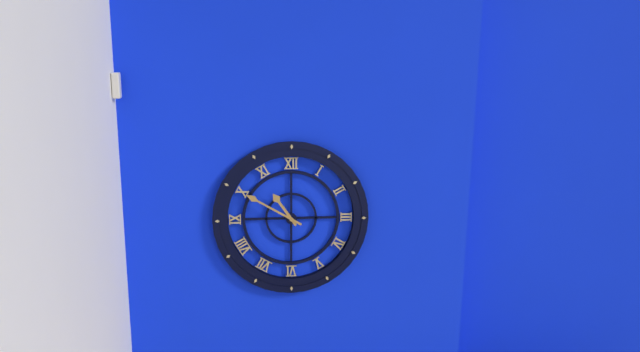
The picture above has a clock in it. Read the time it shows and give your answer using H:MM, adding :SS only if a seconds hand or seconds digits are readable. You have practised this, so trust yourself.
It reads 10:50
